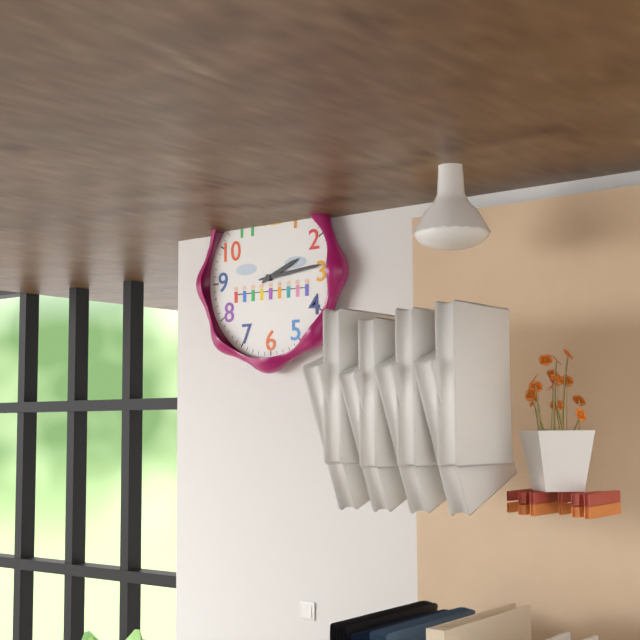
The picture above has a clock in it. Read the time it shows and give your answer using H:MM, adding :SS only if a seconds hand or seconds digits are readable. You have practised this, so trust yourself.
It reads 2:14
